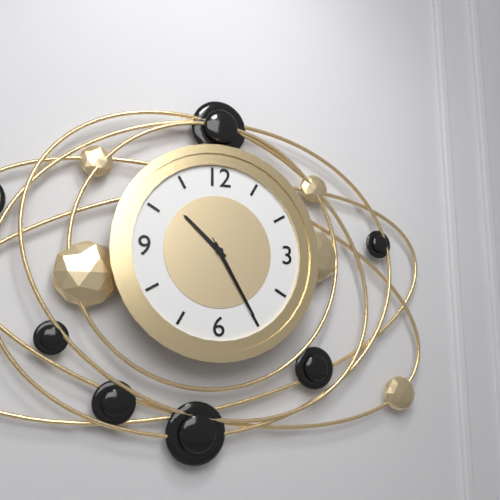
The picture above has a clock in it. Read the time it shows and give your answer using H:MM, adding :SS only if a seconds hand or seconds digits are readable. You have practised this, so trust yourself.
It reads 10:25:25
